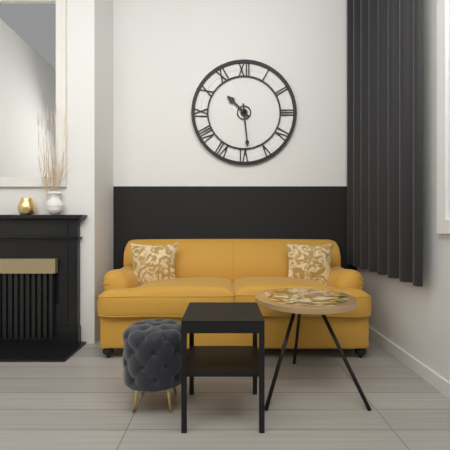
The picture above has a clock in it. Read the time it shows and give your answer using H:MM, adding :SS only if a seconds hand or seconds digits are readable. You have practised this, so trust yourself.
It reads 10:29
